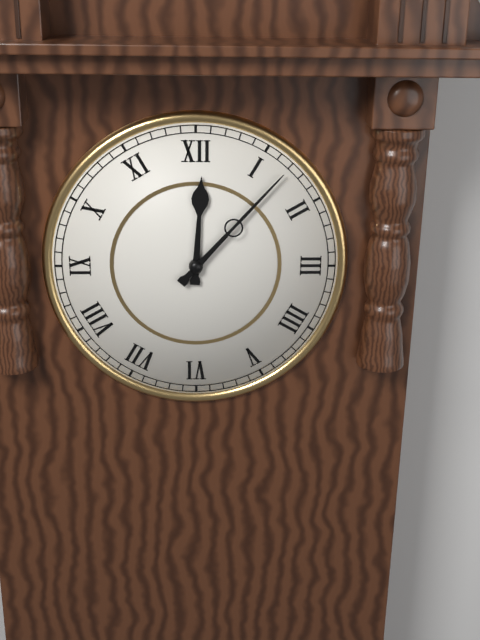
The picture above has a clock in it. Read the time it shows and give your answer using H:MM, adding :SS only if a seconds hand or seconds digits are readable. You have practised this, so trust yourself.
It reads 12:07
